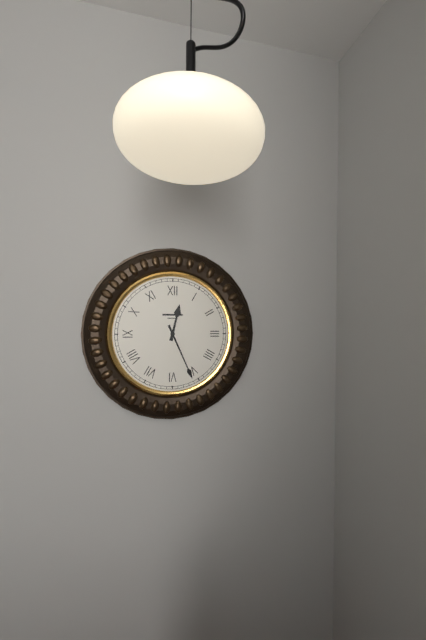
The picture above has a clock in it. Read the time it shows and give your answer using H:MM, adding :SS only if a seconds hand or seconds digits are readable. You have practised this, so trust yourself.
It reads 12:26
